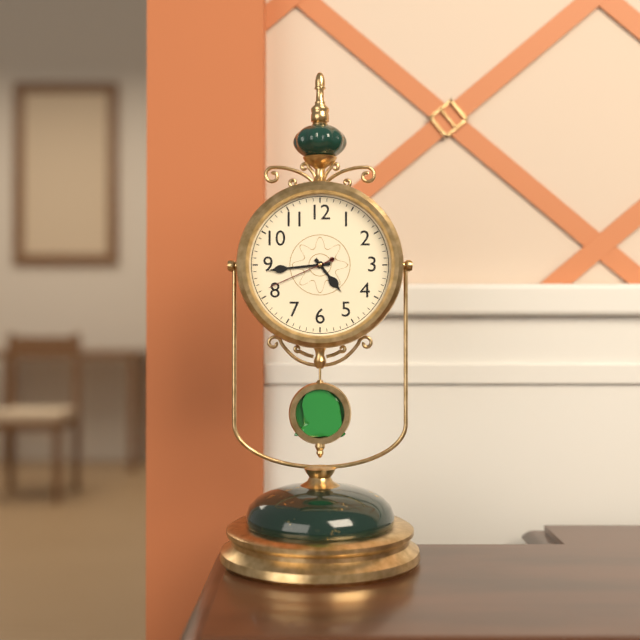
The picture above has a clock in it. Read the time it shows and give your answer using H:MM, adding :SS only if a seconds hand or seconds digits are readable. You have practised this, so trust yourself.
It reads 4:44:41
